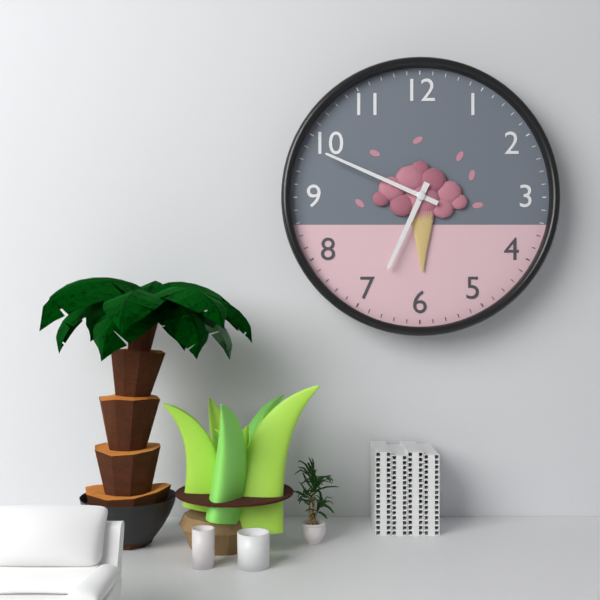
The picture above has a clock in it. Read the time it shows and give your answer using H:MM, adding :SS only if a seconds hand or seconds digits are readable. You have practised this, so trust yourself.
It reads 6:49
